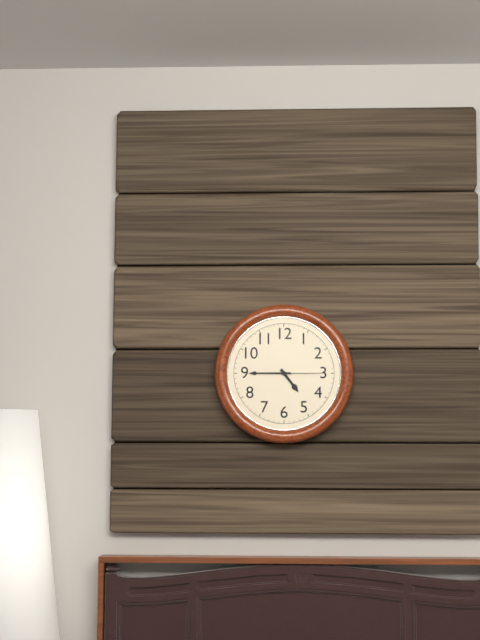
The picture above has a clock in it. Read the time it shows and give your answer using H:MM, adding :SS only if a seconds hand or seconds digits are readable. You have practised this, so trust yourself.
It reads 4:45
